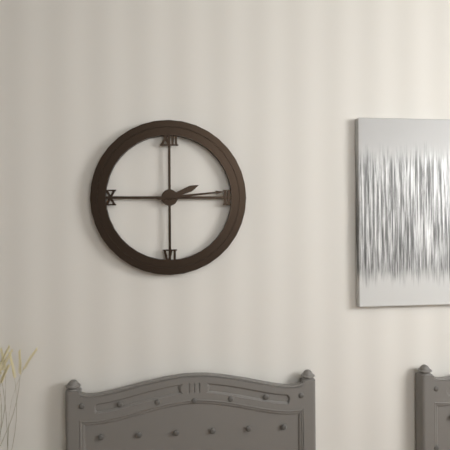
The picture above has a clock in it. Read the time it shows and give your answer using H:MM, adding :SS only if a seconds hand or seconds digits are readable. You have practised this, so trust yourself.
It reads 2:14
